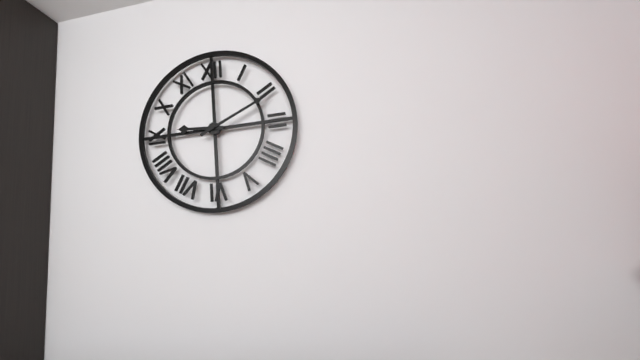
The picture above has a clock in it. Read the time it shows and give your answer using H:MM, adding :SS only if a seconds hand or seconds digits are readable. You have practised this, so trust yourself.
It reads 9:11
